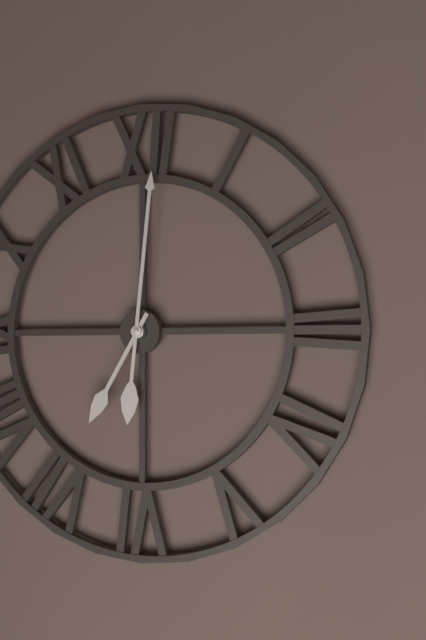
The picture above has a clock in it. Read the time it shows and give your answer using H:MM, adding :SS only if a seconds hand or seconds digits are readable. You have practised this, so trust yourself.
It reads 7:01
